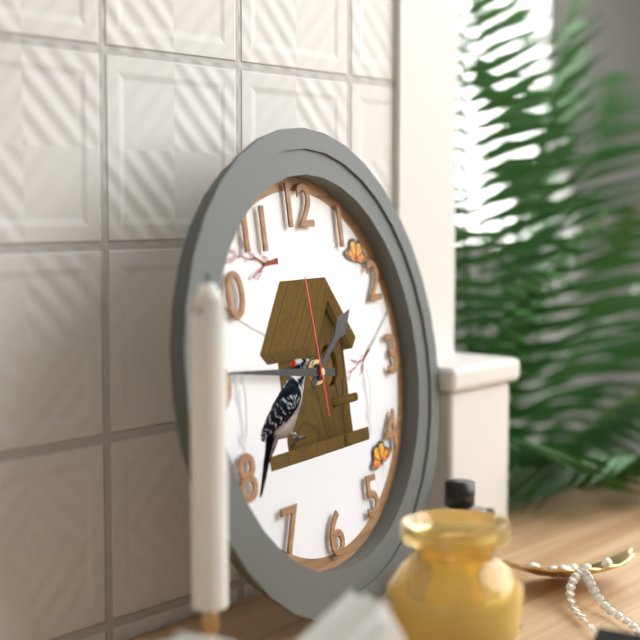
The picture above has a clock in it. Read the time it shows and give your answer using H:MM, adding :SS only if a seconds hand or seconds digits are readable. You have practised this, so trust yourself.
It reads 1:46:59
